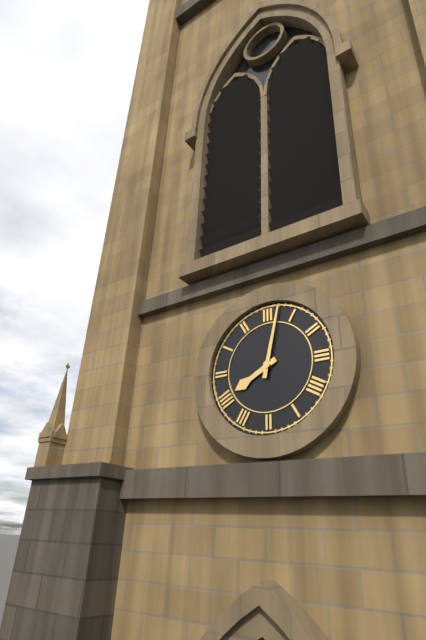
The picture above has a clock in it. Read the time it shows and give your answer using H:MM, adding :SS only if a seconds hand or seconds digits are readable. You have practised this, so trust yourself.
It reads 8:02
